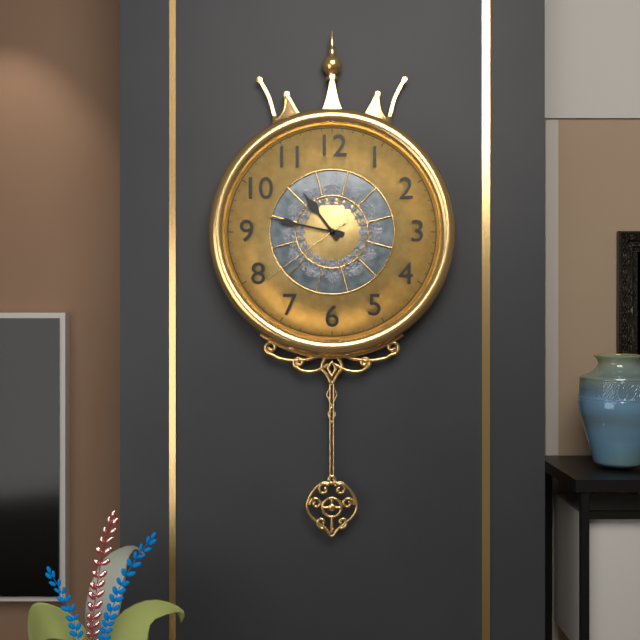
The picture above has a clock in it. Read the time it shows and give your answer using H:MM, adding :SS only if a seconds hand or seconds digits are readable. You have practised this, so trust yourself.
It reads 10:47:39
